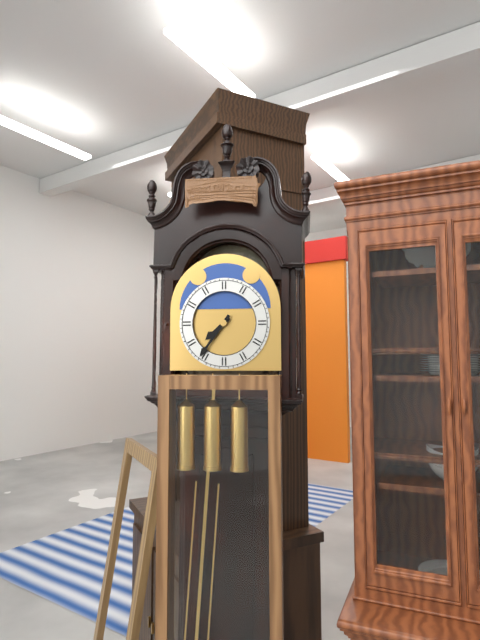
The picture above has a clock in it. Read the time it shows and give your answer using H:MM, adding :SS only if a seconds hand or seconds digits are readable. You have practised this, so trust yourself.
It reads 7:36
